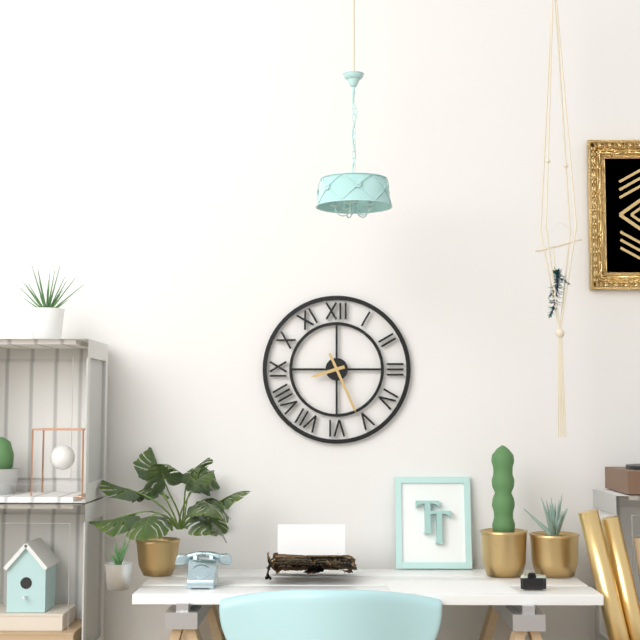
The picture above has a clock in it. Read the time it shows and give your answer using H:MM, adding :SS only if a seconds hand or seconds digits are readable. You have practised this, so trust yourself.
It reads 8:26
